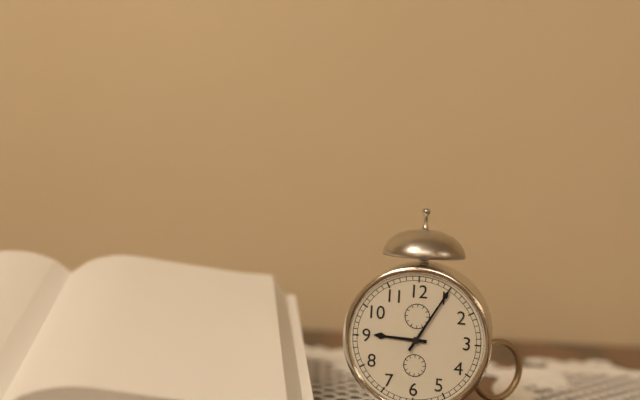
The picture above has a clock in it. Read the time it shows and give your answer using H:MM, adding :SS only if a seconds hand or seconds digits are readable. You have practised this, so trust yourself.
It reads 9:05
